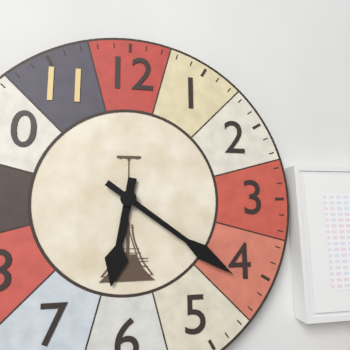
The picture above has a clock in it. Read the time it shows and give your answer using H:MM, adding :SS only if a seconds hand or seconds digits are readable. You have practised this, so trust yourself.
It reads 6:21
